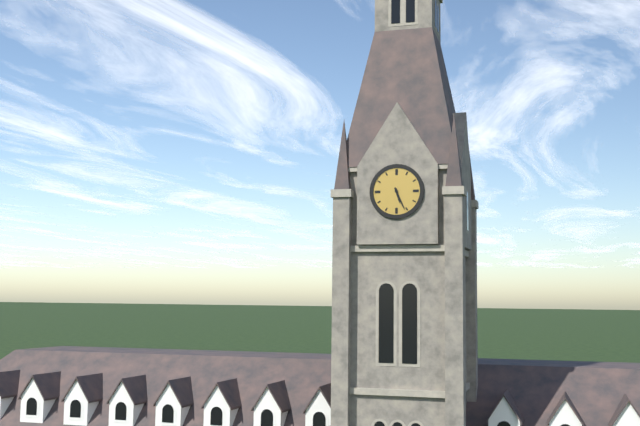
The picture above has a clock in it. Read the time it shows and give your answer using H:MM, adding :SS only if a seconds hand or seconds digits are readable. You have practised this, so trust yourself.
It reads 5:26
